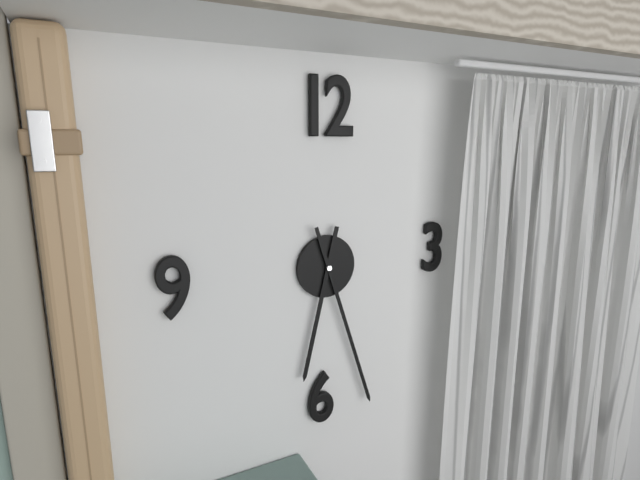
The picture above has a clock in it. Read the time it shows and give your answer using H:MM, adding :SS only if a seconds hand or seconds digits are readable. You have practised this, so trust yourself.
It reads 6:27
